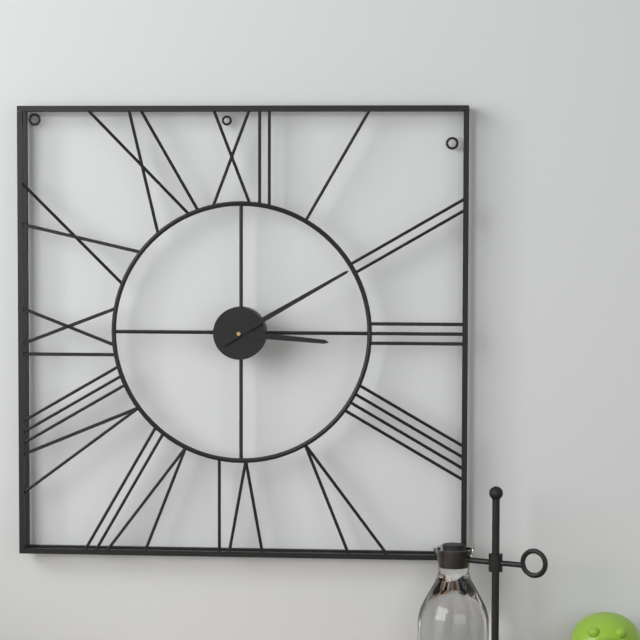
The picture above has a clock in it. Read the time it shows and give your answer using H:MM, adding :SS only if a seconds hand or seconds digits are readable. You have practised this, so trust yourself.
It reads 3:10
